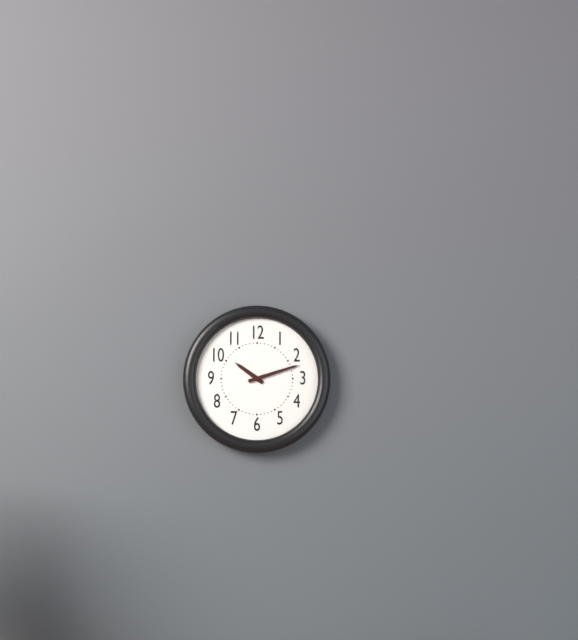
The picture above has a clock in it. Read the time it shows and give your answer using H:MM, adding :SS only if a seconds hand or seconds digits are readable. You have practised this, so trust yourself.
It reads 10:12
